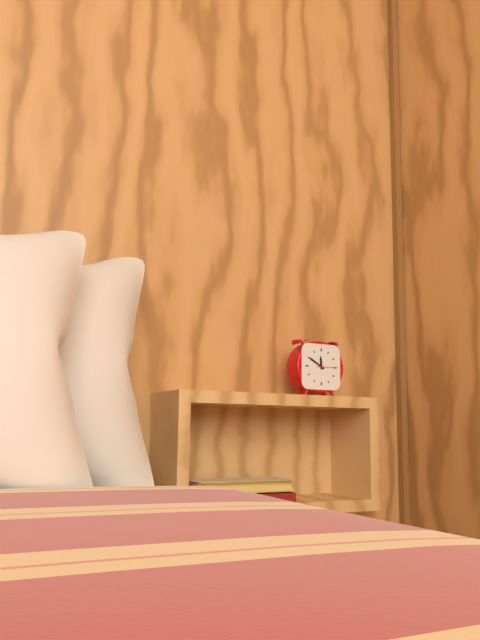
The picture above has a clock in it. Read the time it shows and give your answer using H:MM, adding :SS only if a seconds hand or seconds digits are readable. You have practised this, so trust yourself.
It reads 11:50
